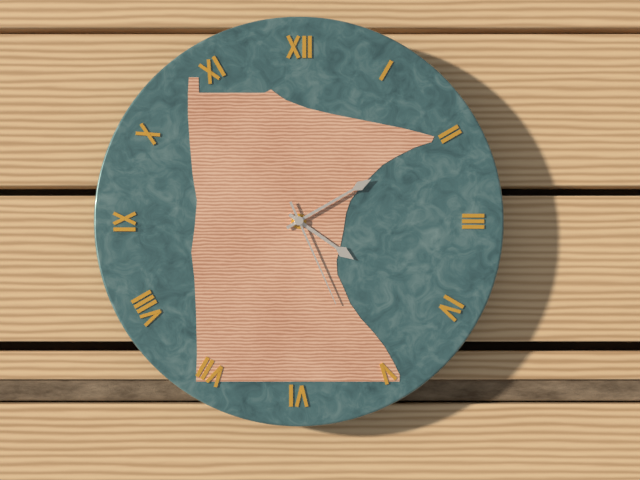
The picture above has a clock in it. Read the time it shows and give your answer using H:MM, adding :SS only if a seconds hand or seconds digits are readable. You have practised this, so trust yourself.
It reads 4:10:26
